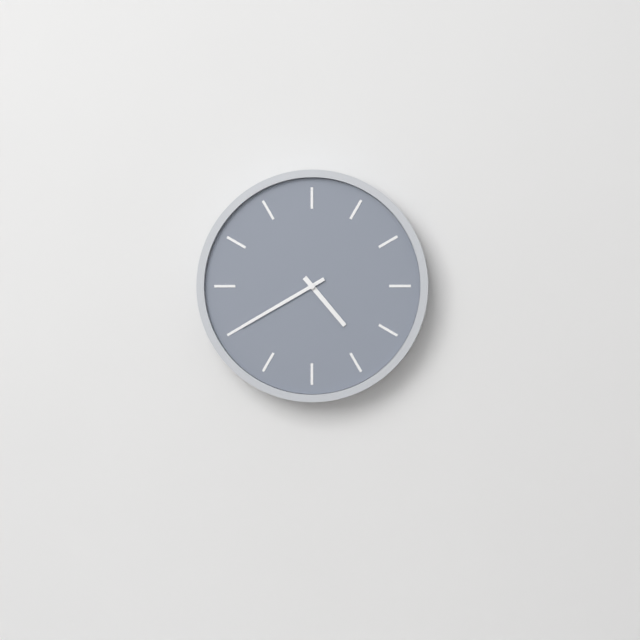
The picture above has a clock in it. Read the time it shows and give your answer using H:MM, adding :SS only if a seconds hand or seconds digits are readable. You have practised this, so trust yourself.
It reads 4:40
